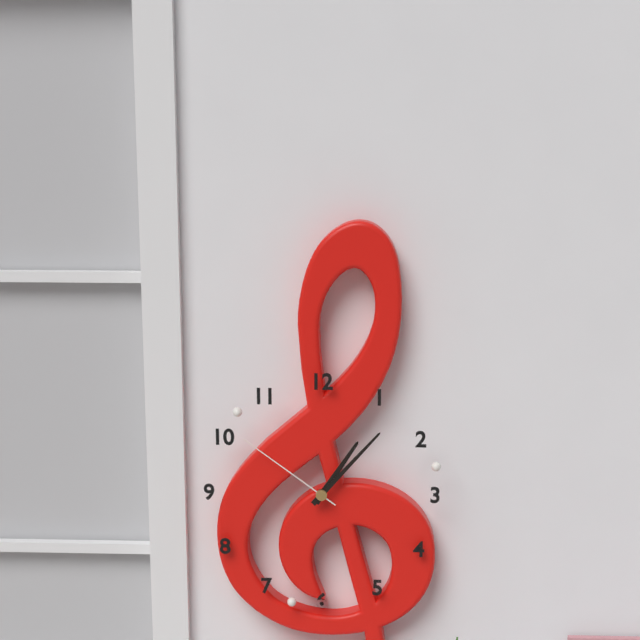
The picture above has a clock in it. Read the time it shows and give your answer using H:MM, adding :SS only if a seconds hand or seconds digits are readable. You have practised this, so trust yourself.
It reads 1:07:51
